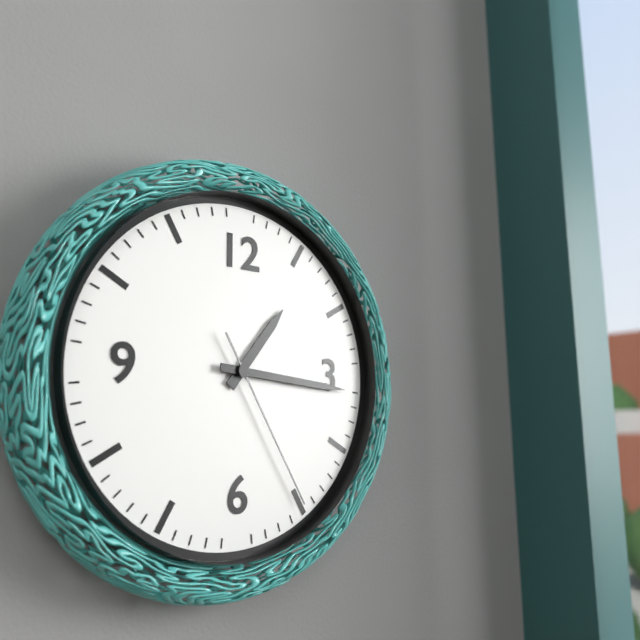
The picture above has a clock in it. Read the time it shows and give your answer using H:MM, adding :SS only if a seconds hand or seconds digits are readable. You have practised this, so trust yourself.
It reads 1:16:25
